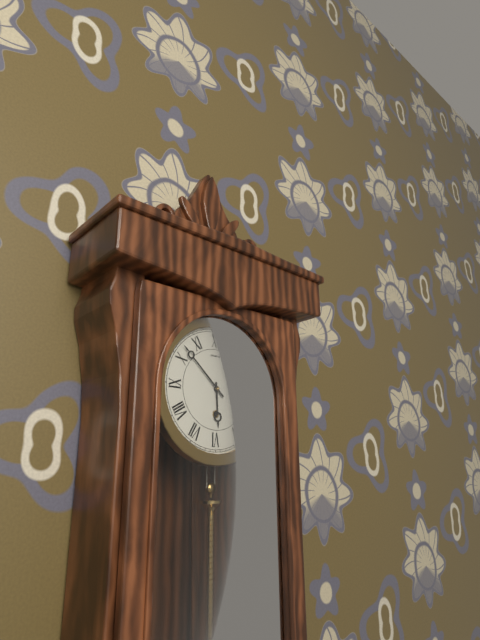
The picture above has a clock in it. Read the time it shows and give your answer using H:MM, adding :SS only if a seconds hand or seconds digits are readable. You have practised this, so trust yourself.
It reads 5:52
